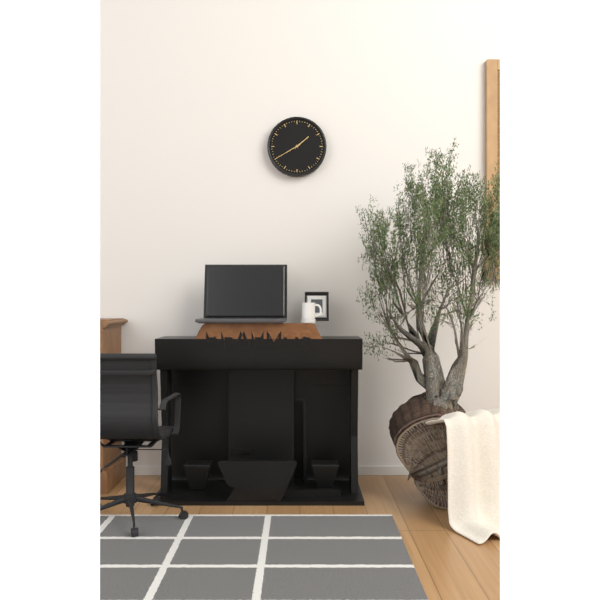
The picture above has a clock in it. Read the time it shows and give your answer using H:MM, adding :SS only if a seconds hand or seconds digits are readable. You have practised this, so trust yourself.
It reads 1:40
